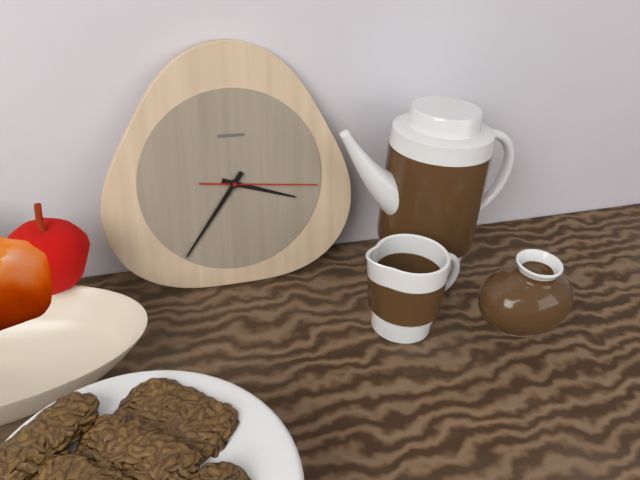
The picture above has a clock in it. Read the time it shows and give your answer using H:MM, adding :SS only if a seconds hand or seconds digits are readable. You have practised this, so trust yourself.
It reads 3:36:16
